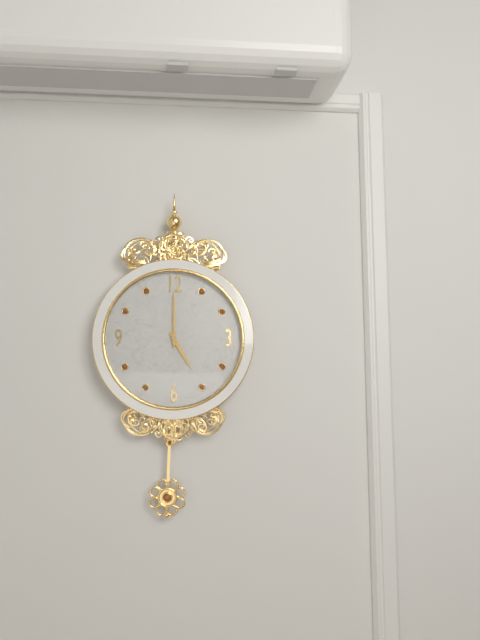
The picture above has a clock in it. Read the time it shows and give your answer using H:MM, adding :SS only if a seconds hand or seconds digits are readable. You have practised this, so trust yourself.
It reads 5:00
